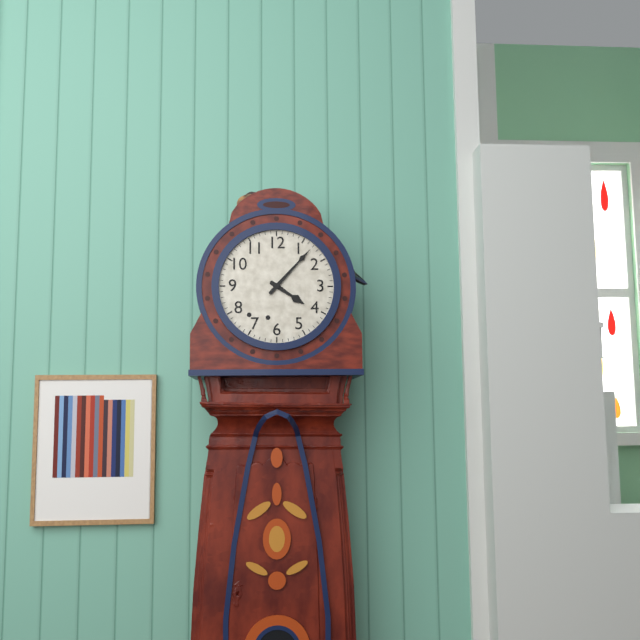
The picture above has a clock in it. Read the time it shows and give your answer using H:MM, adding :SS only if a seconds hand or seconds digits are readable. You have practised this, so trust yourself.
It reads 4:07
